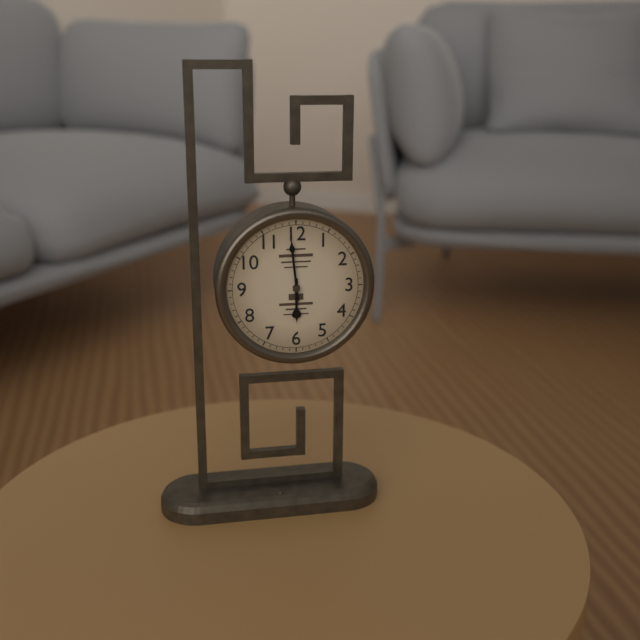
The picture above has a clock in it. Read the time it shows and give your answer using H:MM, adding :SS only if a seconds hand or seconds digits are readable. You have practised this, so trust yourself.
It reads 5:59
